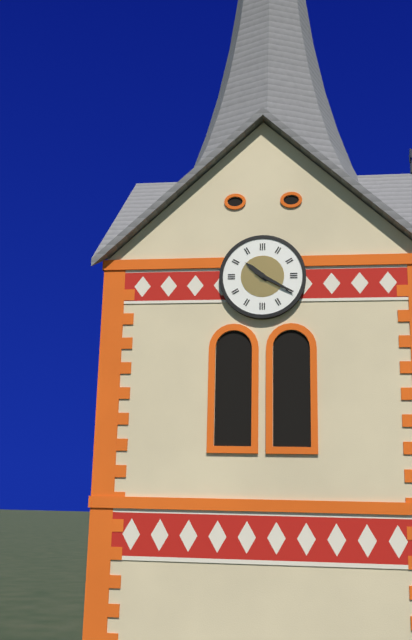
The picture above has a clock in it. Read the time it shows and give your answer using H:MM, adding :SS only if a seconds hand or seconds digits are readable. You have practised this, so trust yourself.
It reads 10:20
